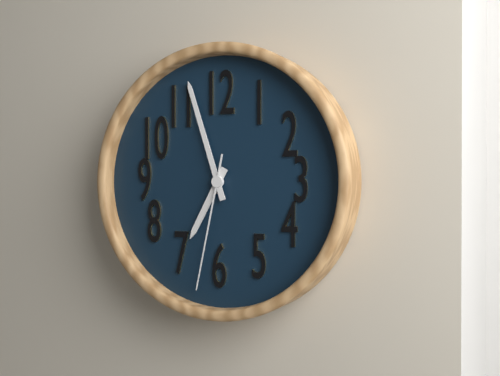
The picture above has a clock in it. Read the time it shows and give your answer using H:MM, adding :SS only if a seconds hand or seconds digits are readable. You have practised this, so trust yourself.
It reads 6:57:32
